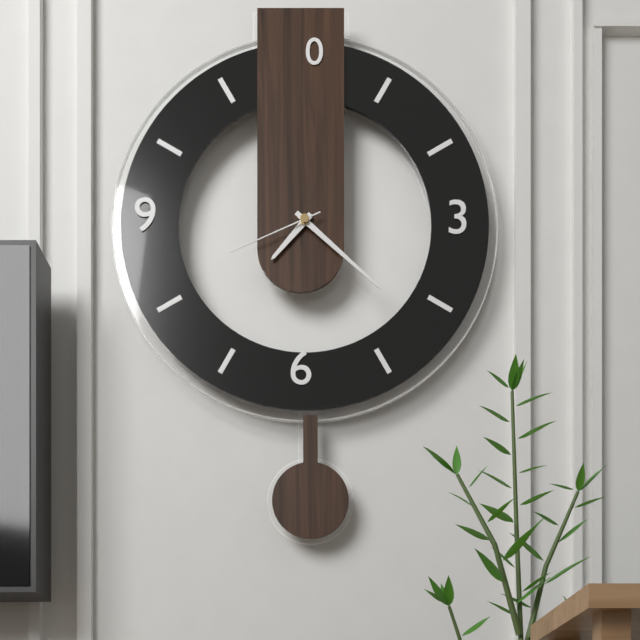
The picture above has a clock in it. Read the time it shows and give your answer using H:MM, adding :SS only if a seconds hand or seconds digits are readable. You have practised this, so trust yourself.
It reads 7:22:41
